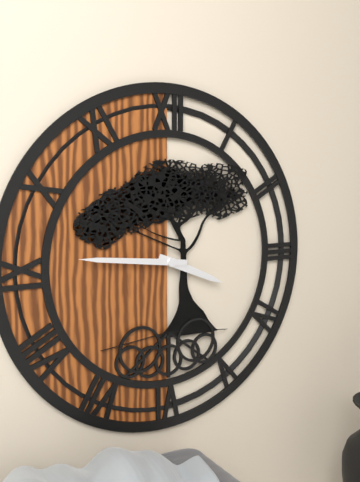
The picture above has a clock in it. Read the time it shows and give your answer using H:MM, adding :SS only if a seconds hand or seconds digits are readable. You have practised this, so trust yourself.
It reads 3:46
